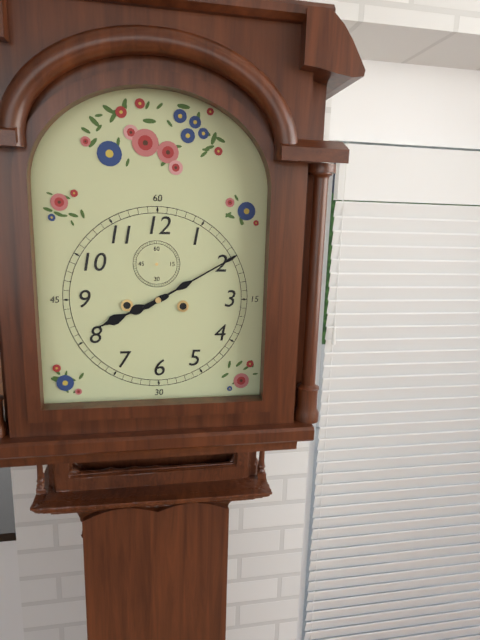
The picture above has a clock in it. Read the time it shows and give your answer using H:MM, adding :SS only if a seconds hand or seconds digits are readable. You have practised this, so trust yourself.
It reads 8:10
